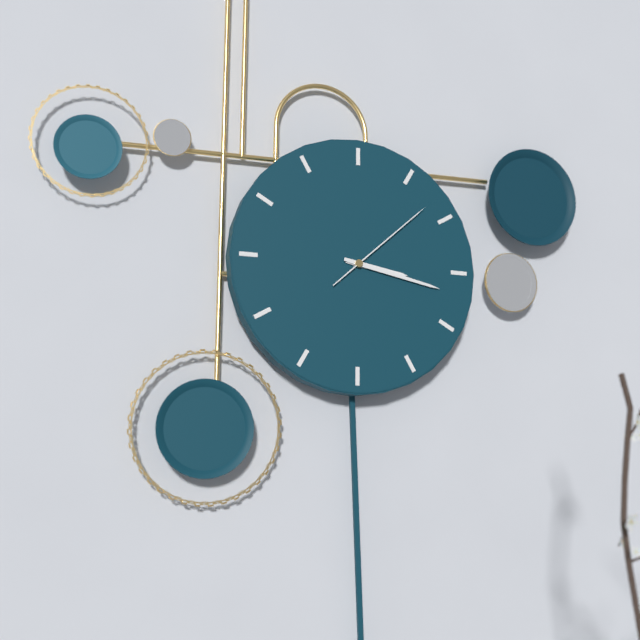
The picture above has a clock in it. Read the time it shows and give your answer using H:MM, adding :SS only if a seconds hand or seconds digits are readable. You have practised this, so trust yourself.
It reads 3:17:08
